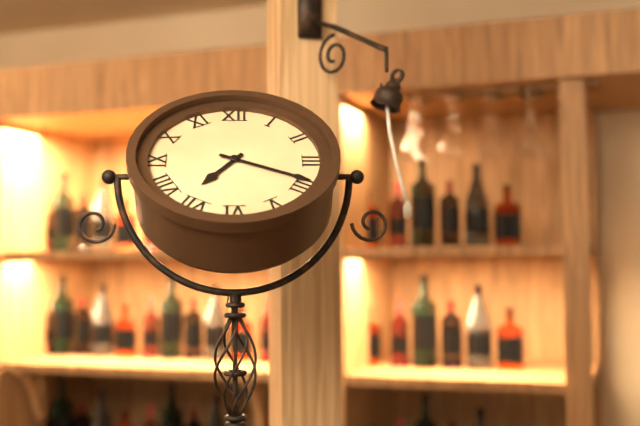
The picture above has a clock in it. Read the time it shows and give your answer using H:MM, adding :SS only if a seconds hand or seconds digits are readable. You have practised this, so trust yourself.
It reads 7:19
